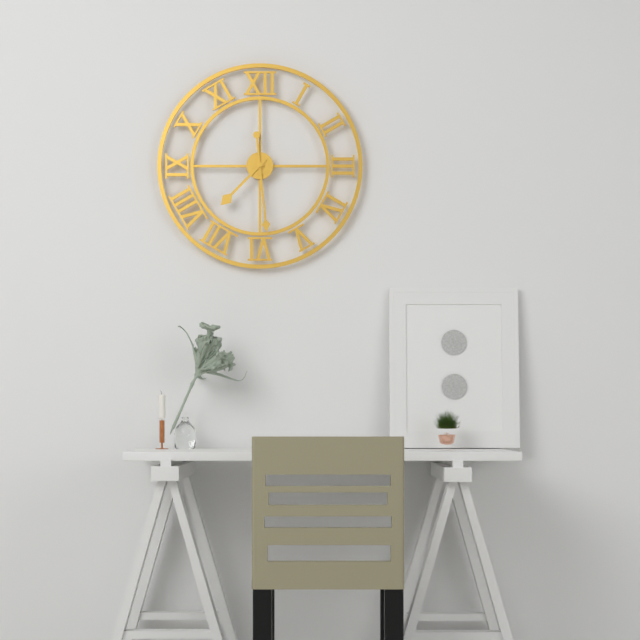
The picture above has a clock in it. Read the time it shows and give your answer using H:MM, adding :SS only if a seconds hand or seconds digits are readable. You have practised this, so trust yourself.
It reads 7:29
